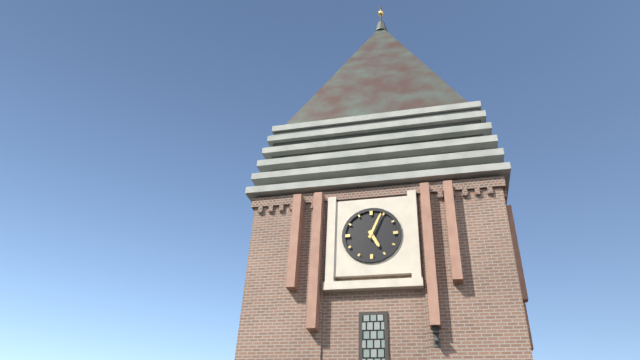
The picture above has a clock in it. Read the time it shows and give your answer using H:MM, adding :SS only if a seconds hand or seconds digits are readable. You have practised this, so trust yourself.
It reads 5:04
